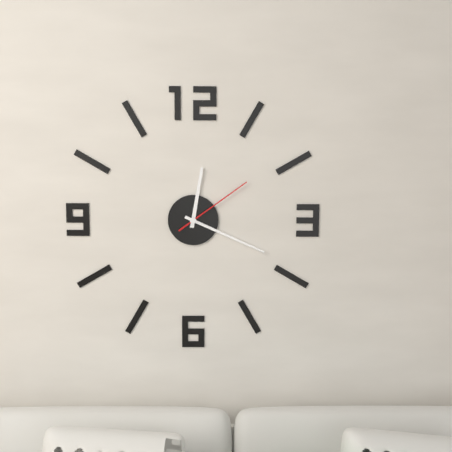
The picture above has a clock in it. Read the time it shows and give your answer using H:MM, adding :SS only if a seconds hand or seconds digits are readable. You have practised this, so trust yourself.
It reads 12:19:09
